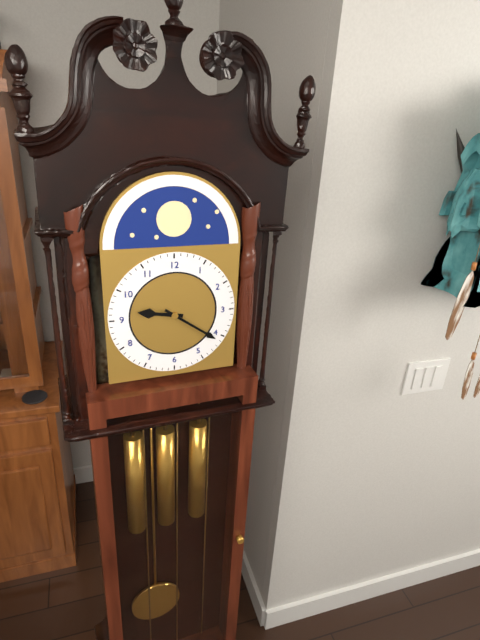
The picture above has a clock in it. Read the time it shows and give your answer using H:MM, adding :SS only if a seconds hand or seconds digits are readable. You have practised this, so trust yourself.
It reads 9:21
